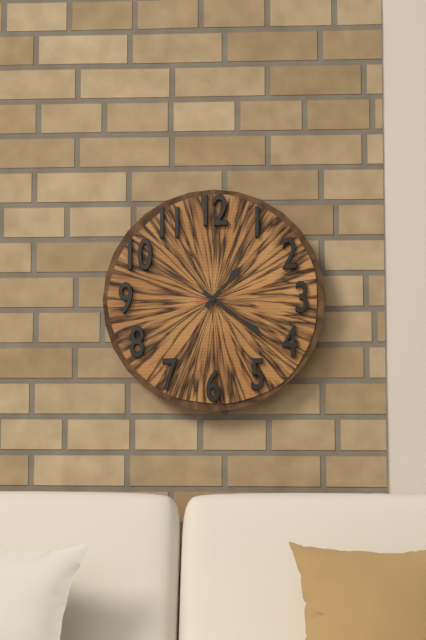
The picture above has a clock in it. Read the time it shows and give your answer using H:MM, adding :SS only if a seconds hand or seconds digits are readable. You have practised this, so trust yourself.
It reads 1:21:13
